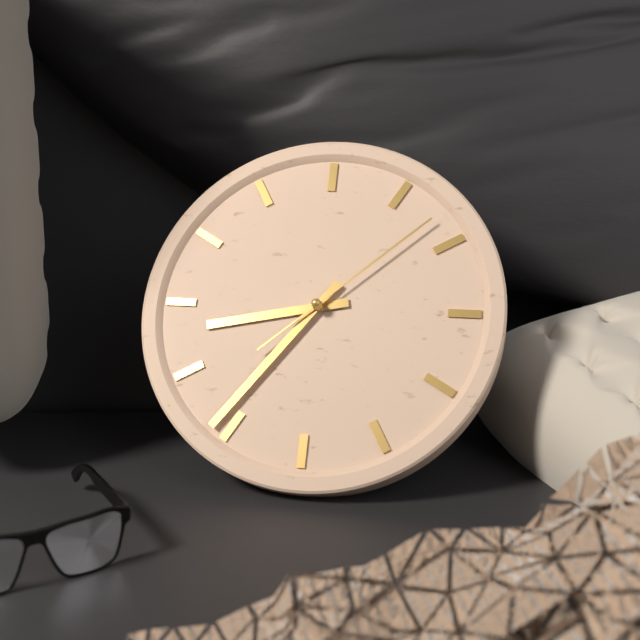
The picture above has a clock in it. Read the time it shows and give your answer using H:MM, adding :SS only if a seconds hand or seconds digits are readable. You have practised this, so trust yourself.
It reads 8:36:08
